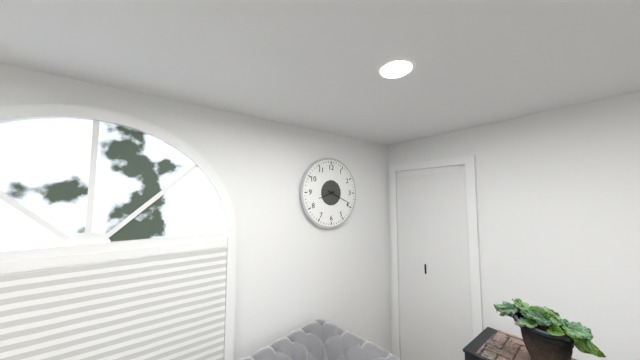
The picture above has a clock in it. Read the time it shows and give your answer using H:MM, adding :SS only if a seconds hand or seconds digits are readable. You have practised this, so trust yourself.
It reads 8:19
